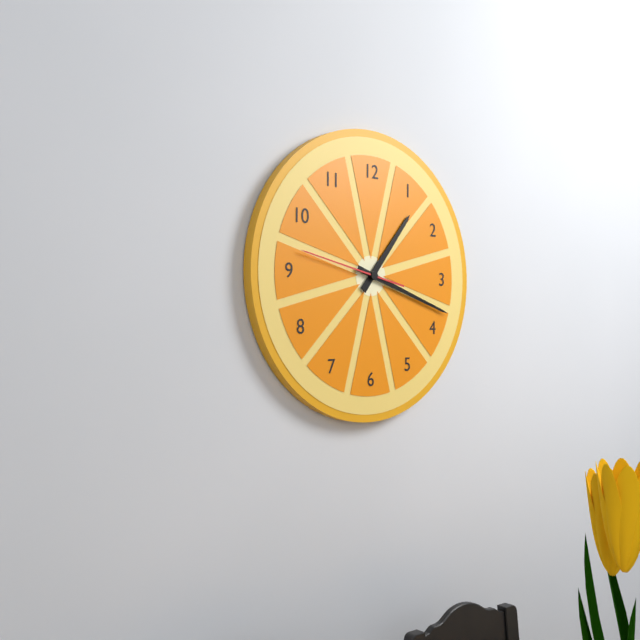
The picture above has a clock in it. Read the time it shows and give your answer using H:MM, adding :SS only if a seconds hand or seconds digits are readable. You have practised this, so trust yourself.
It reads 1:18:47
